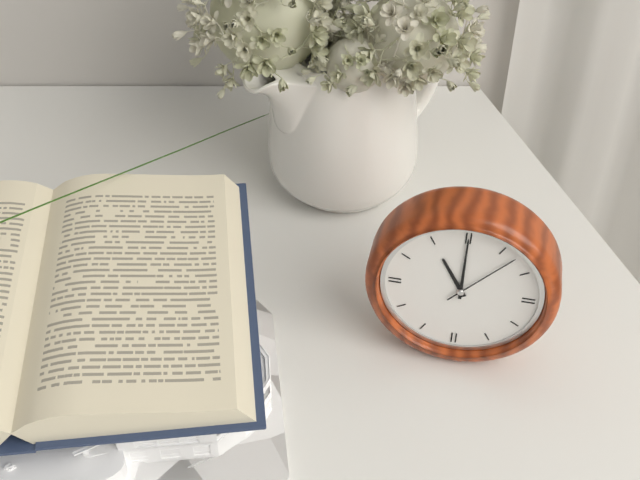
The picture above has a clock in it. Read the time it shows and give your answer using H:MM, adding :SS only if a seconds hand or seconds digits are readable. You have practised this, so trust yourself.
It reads 11:00:07
